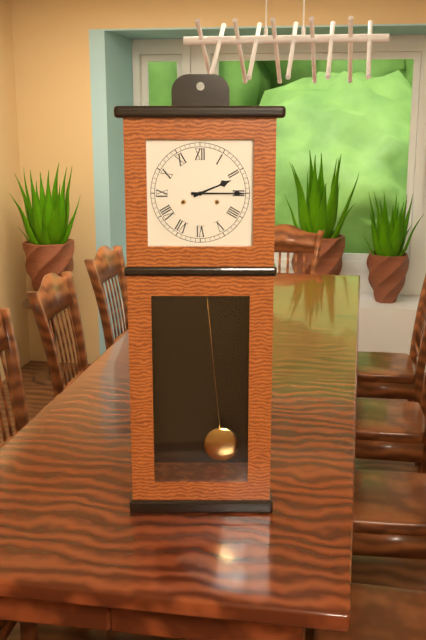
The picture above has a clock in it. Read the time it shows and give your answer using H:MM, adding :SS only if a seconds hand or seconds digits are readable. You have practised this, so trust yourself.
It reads 2:15
